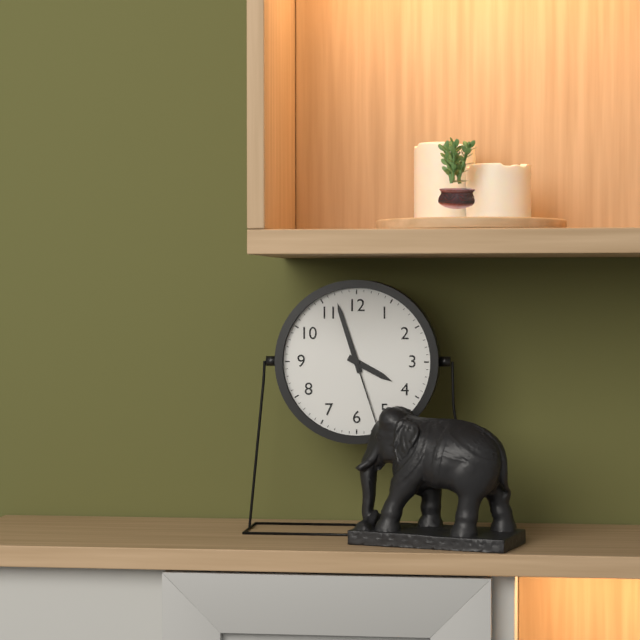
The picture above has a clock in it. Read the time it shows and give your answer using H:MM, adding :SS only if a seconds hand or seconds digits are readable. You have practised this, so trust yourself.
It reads 3:57:27
